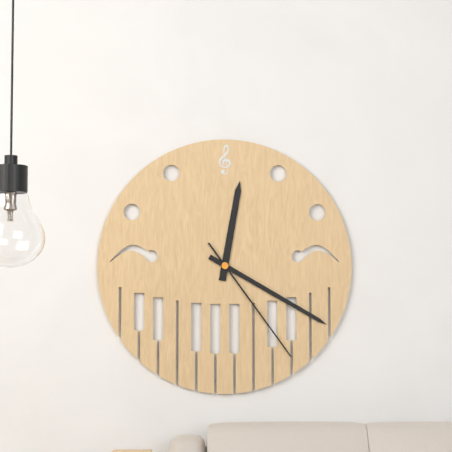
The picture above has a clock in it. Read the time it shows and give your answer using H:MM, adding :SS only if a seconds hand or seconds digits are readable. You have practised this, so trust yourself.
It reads 12:20:24
